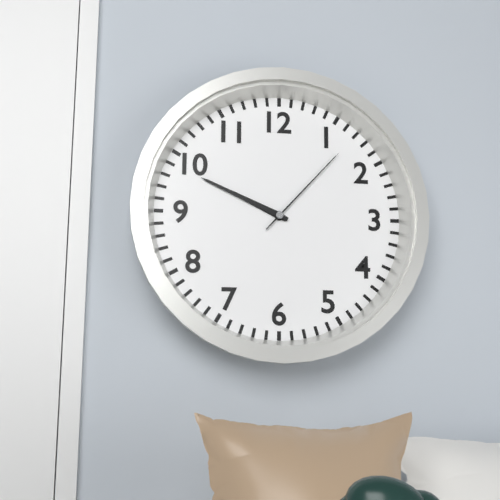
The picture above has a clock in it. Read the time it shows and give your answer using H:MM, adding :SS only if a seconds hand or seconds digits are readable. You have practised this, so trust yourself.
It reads 9:49:07
